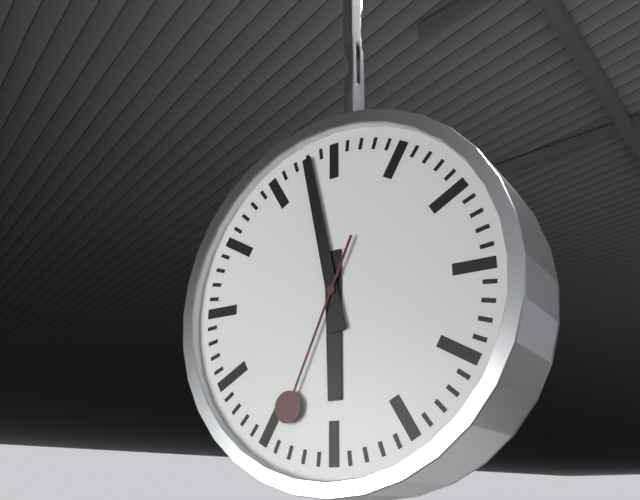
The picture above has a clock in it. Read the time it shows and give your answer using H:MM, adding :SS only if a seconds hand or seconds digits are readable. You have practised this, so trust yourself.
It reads 5:58:34
